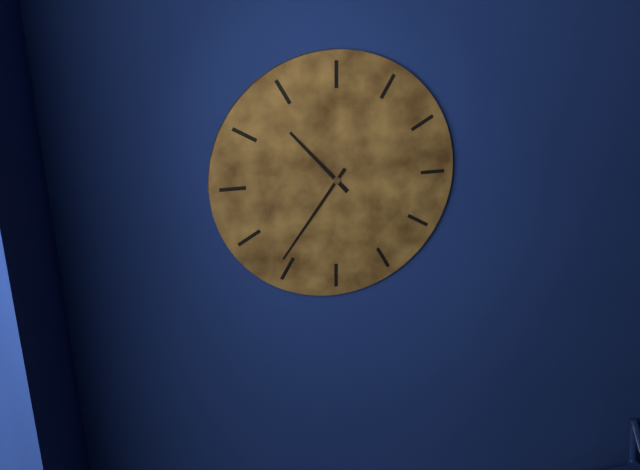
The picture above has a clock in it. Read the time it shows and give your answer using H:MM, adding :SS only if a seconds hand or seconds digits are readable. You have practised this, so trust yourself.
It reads 10:36
